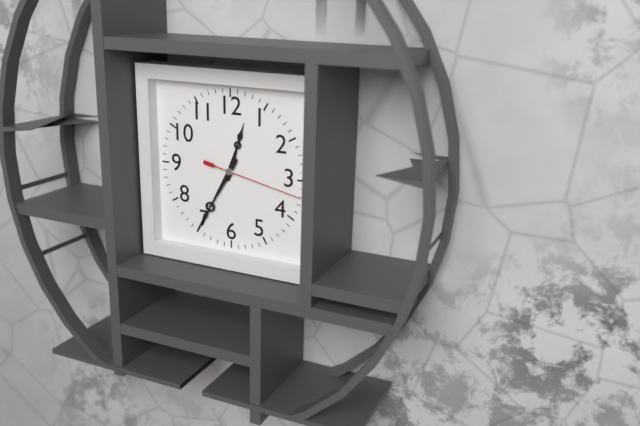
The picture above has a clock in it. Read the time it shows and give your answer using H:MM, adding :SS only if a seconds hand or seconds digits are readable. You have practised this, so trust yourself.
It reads 12:35:17
